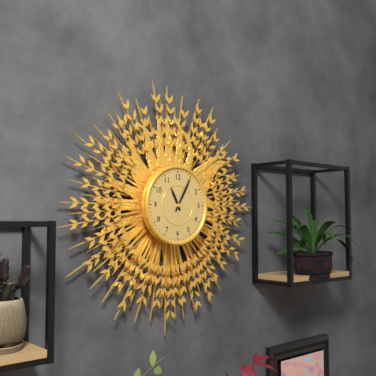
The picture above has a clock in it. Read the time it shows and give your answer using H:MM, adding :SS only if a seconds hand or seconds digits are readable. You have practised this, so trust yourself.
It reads 11:05
